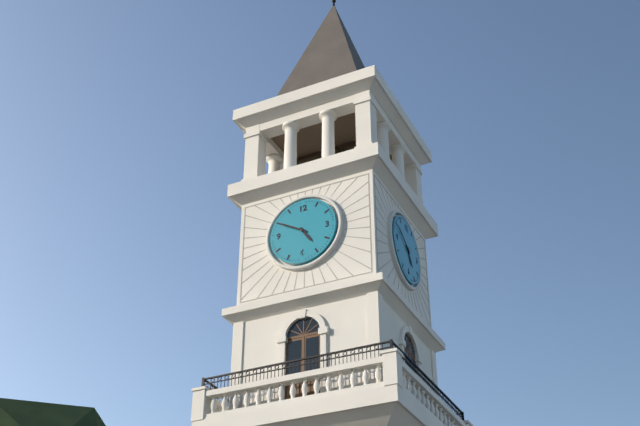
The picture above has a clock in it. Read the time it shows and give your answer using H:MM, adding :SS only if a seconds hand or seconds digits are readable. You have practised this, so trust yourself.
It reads 4:50
